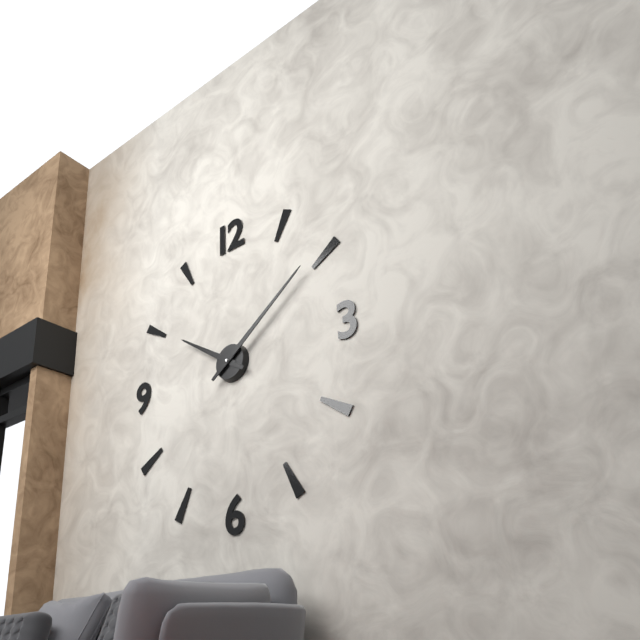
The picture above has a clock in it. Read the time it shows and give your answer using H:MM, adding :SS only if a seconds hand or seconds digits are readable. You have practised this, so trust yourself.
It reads 10:09
